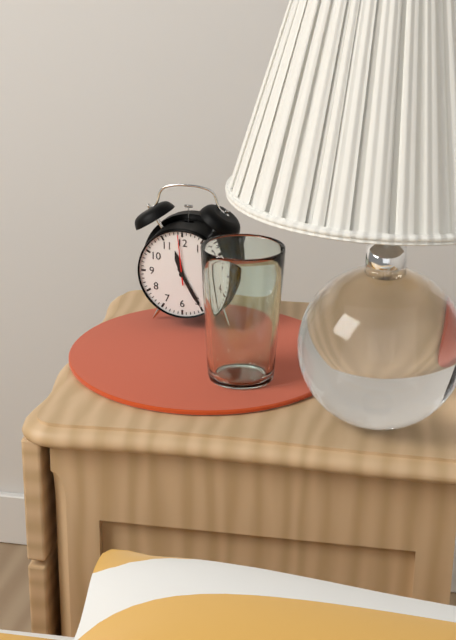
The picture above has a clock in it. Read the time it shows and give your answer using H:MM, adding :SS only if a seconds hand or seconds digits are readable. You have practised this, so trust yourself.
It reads 11:25
